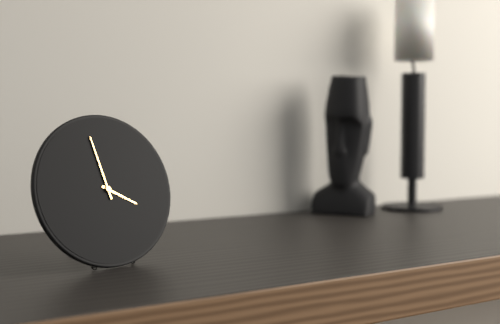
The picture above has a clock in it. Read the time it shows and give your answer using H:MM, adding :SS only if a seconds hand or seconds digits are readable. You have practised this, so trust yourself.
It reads 3:58
